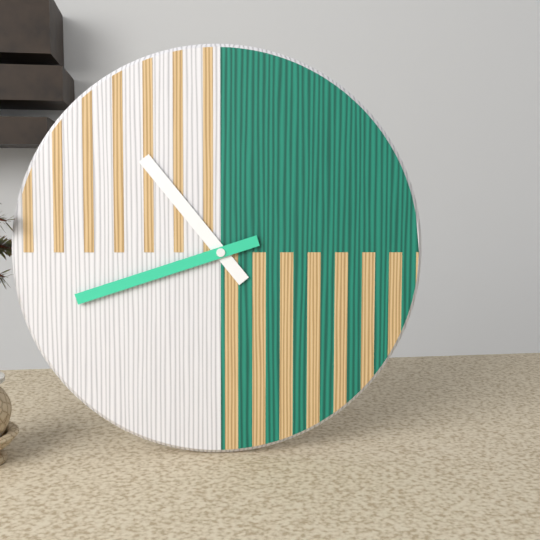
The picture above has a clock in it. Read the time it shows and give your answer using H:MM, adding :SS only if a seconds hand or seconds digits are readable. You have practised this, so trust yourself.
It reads 10:42
